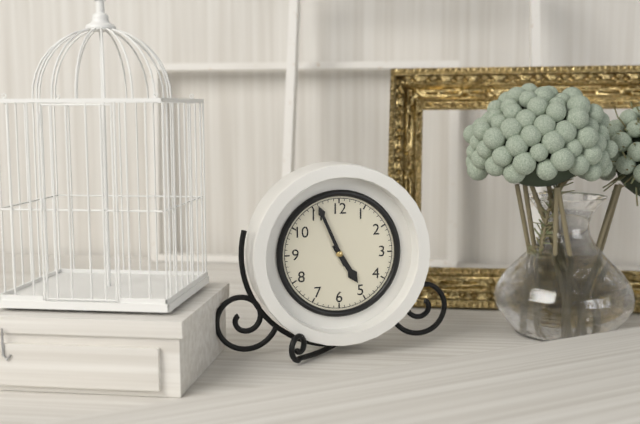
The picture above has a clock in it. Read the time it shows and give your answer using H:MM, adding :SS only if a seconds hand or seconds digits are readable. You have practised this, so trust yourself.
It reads 4:56
